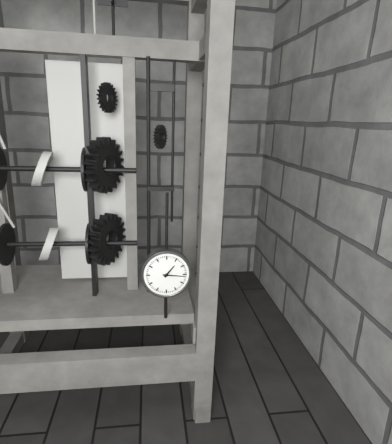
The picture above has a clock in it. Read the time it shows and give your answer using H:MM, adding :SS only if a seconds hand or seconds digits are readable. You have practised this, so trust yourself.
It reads 1:16
